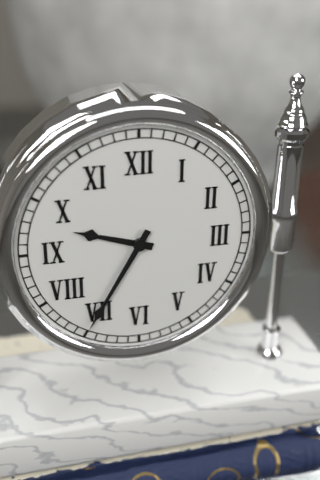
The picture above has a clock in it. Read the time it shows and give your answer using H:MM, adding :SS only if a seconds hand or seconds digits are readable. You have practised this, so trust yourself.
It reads 9:35
